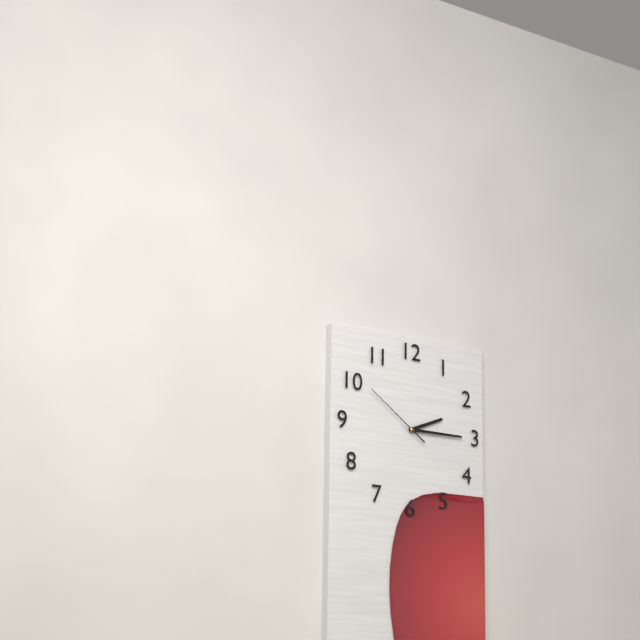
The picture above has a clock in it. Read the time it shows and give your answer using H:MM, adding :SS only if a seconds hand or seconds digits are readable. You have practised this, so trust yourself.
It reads 2:15:51
